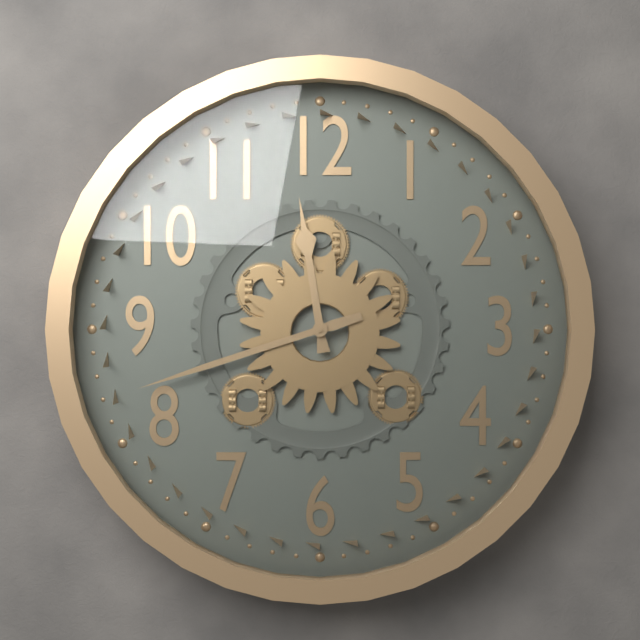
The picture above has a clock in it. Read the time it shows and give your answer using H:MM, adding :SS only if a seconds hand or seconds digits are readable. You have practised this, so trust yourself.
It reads 11:42
